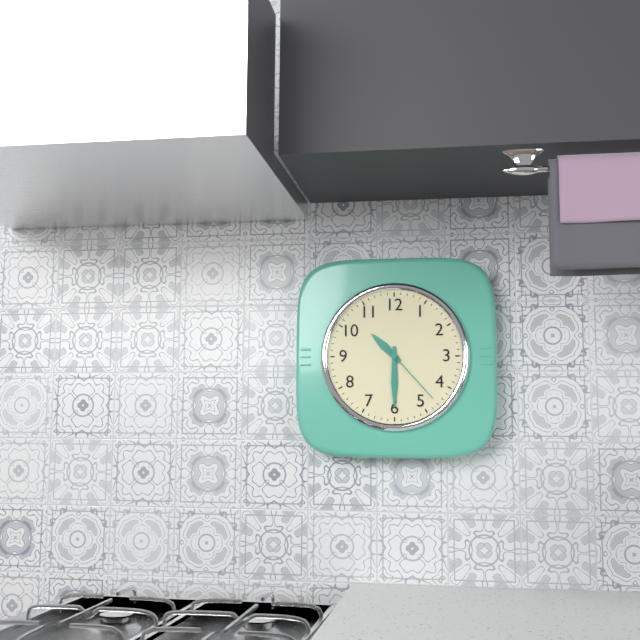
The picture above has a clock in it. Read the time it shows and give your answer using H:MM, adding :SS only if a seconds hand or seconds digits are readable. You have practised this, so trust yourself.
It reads 10:30:23
